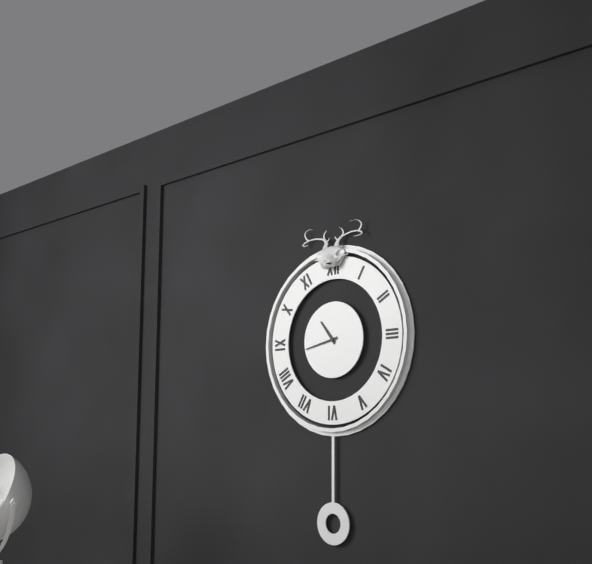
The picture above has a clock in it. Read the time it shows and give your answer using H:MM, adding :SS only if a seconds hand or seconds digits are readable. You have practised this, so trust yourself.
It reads 10:43
